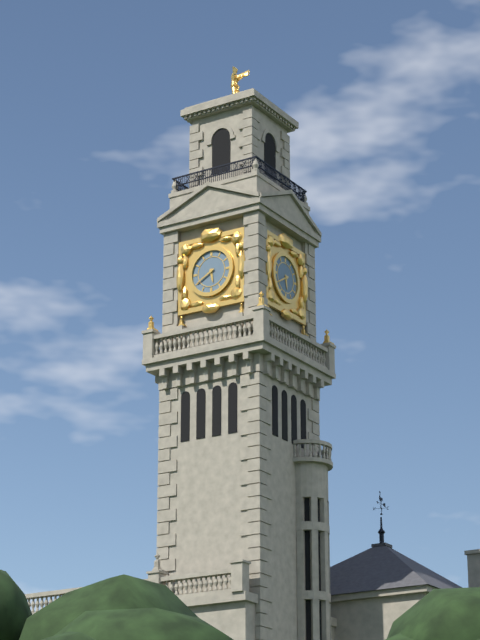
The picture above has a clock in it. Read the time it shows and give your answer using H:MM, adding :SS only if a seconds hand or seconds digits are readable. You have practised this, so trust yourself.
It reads 5:40
